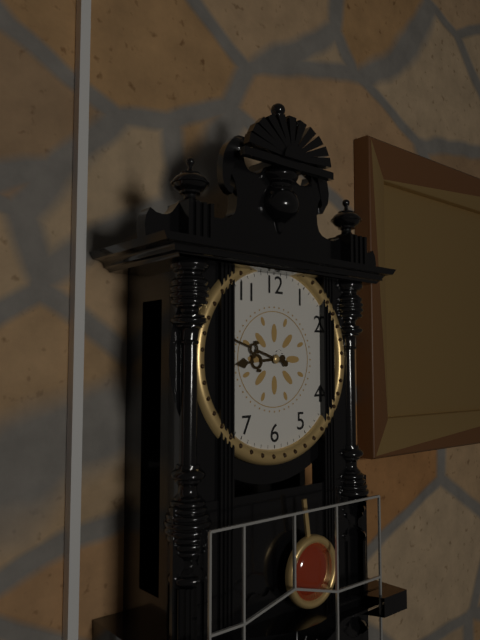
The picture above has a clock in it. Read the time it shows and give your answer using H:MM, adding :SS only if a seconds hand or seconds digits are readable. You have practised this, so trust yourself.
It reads 8:48
